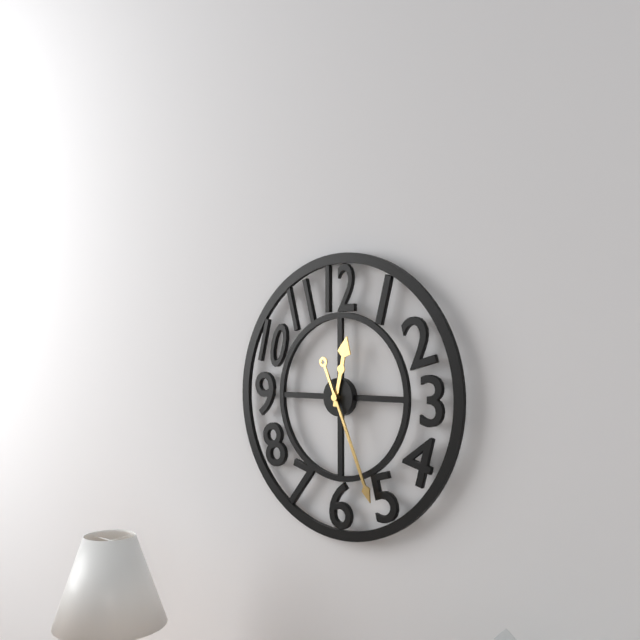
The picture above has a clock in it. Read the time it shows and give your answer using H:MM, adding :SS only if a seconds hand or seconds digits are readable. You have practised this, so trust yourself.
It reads 12:26
